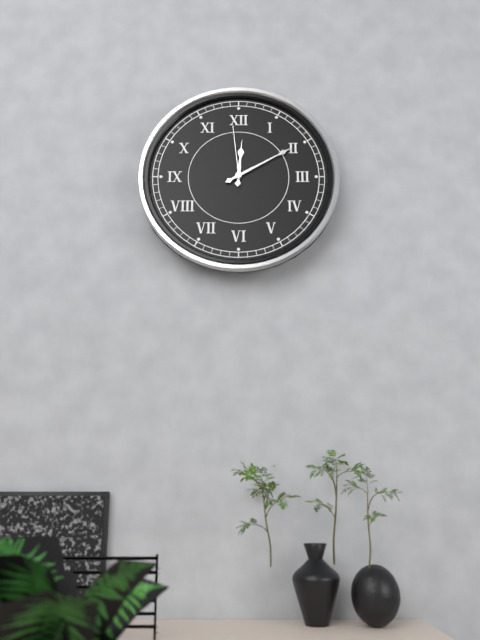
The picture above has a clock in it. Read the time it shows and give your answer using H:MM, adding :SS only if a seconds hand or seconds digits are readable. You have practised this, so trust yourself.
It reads 12:10:59
